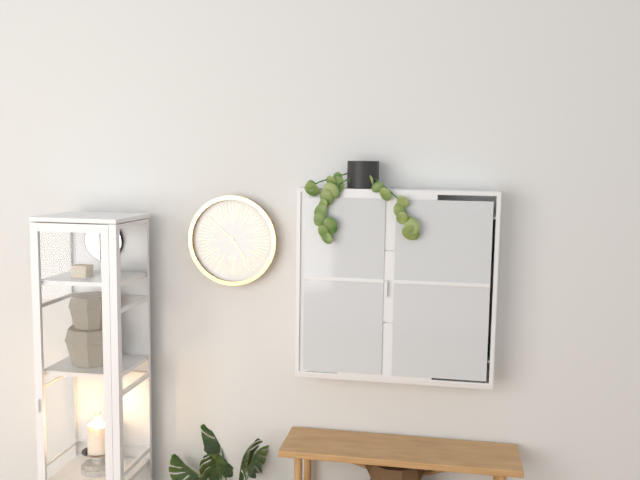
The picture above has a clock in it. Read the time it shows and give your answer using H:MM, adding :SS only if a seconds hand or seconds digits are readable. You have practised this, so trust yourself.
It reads 4:52
